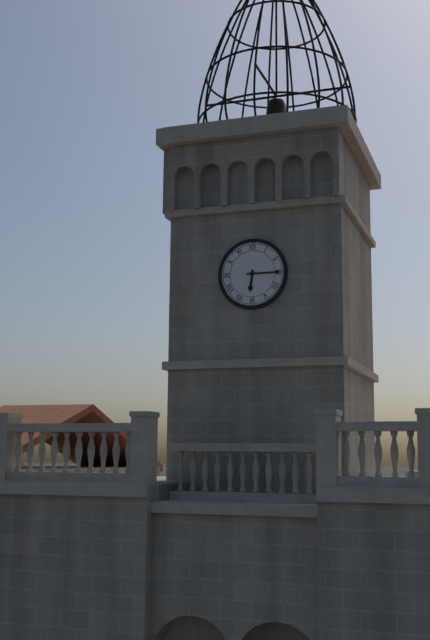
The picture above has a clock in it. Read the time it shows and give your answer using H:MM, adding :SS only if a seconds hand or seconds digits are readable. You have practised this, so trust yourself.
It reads 6:15
